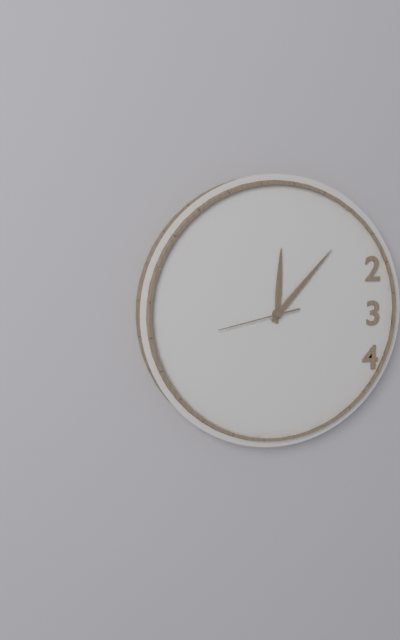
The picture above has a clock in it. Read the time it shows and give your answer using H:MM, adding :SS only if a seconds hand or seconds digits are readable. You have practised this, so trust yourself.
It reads 12:07:43
